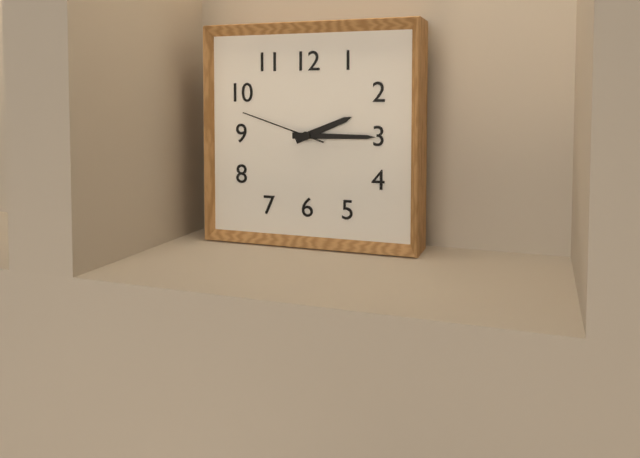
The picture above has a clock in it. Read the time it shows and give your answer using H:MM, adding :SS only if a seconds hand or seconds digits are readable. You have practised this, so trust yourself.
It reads 2:15:48
